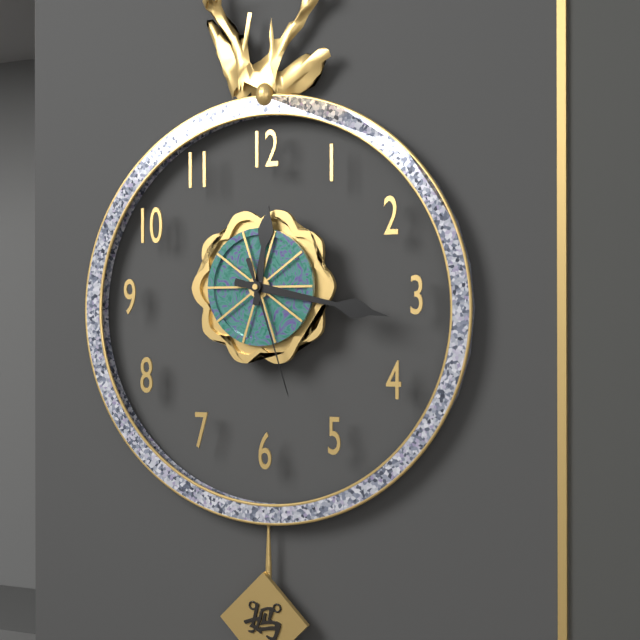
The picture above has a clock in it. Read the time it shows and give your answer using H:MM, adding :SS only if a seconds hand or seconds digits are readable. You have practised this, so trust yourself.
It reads 12:17:27
